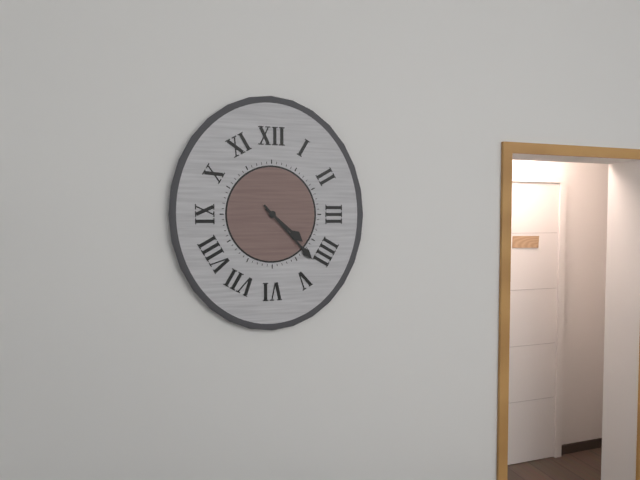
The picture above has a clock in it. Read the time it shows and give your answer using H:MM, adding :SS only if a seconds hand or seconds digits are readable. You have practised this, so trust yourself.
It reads 4:23
